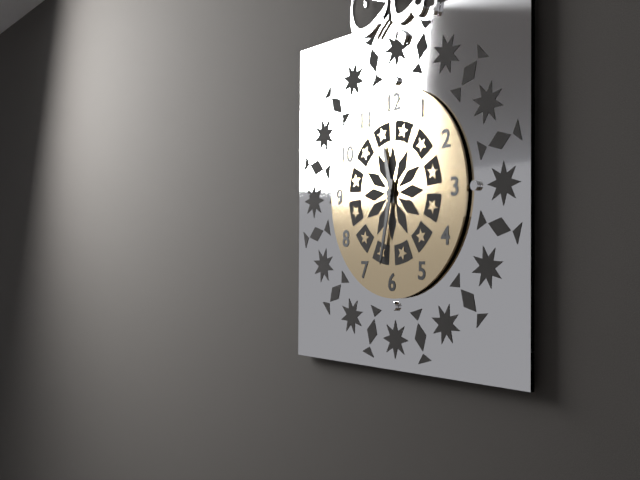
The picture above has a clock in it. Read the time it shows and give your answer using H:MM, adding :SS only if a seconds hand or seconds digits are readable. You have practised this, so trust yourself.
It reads 11:32
